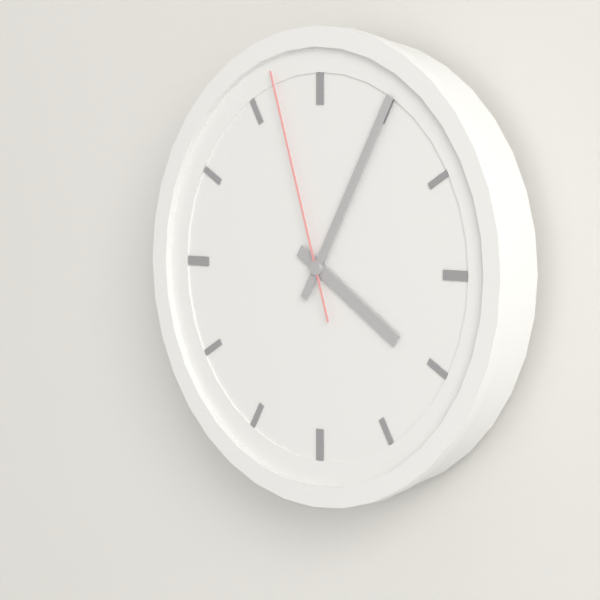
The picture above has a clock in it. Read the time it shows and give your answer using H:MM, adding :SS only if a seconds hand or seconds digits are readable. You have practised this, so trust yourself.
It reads 4:05:57
